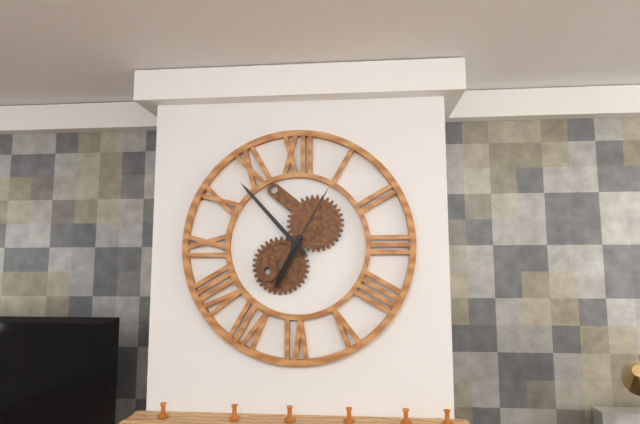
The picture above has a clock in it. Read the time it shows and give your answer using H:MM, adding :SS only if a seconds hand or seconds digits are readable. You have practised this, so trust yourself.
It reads 6:53:05
